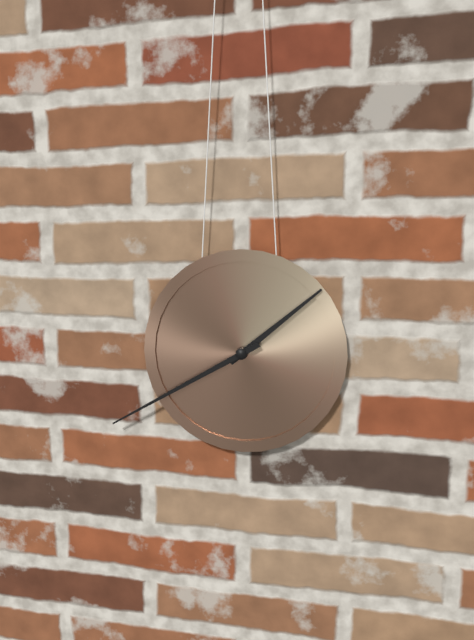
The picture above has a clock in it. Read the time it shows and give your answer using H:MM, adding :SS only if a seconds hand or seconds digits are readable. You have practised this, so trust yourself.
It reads 1:40
